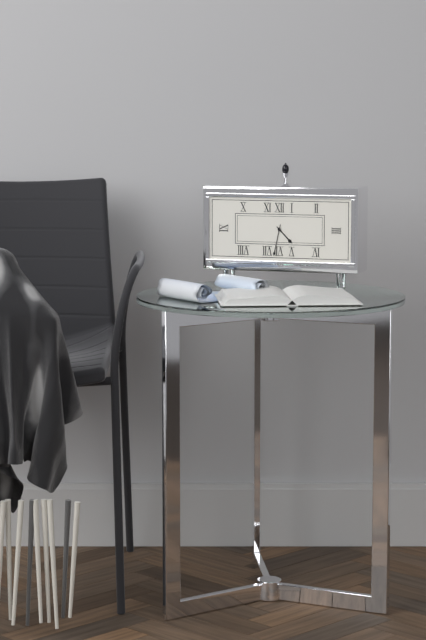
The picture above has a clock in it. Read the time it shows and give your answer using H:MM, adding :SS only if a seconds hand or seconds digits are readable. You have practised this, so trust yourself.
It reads 4:32
